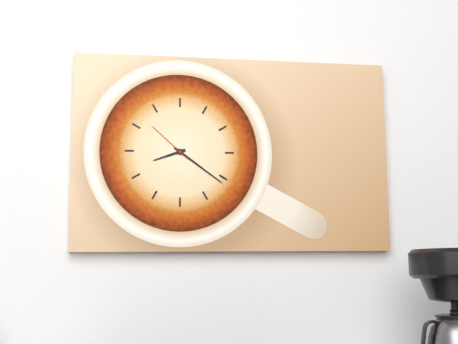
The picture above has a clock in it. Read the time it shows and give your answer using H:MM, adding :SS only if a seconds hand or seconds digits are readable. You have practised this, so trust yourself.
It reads 8:21
